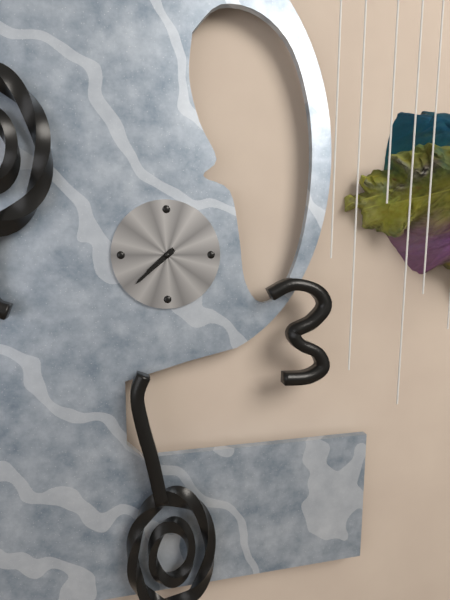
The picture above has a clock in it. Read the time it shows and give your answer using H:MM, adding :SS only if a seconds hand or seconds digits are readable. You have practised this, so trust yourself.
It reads 7:38
